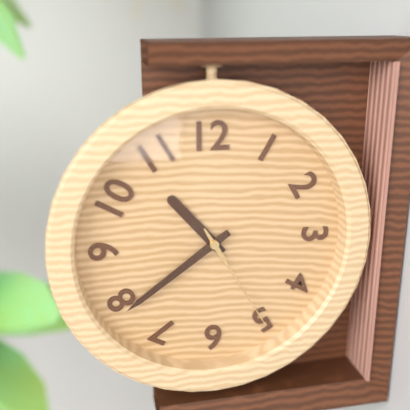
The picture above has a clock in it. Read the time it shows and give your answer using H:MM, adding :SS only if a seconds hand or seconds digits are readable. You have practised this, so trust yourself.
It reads 10:39:25
